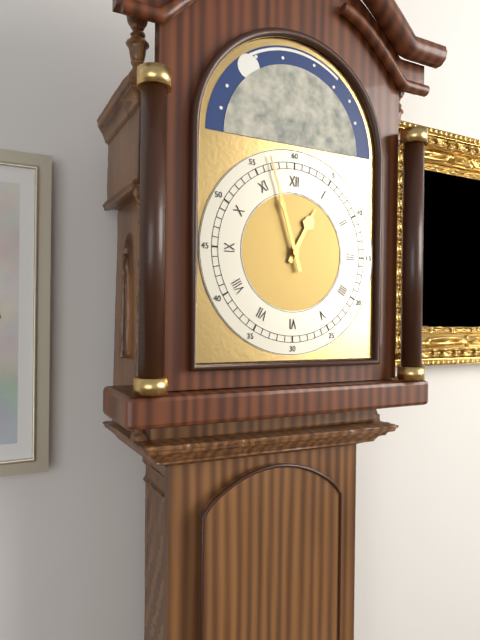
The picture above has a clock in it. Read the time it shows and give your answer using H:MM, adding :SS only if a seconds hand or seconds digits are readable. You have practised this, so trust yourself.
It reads 12:57
